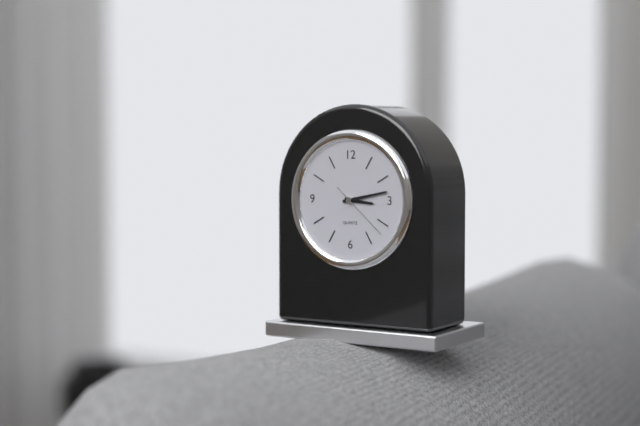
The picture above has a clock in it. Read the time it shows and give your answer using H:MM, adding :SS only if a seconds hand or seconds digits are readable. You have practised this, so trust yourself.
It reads 3:13
